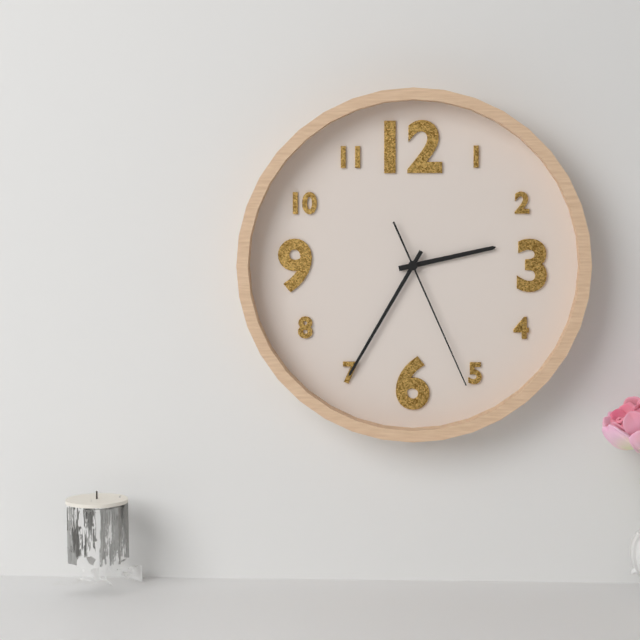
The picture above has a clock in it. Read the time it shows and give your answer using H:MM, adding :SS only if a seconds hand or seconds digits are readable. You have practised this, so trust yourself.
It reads 2:35:26
